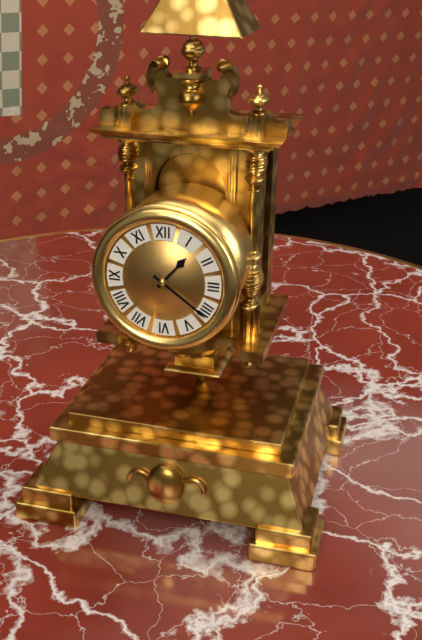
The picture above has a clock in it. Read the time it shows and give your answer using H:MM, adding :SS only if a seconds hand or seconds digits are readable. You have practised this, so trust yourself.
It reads 1:21
